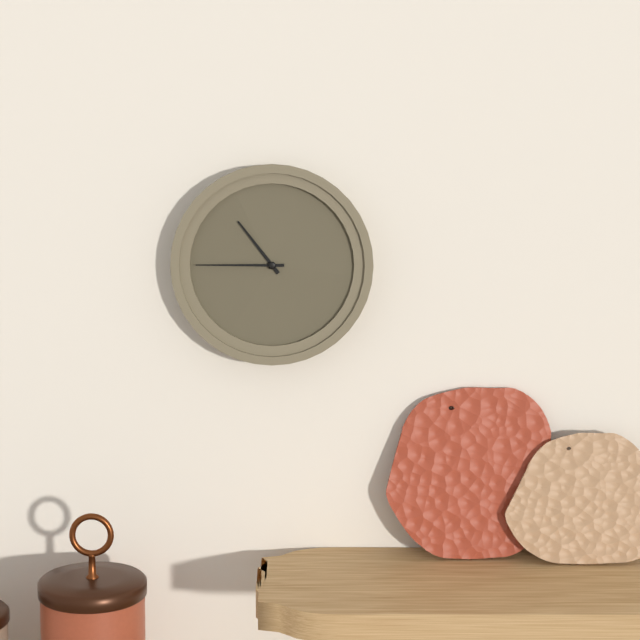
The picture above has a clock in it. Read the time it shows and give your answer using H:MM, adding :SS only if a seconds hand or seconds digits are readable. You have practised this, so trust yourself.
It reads 10:45
